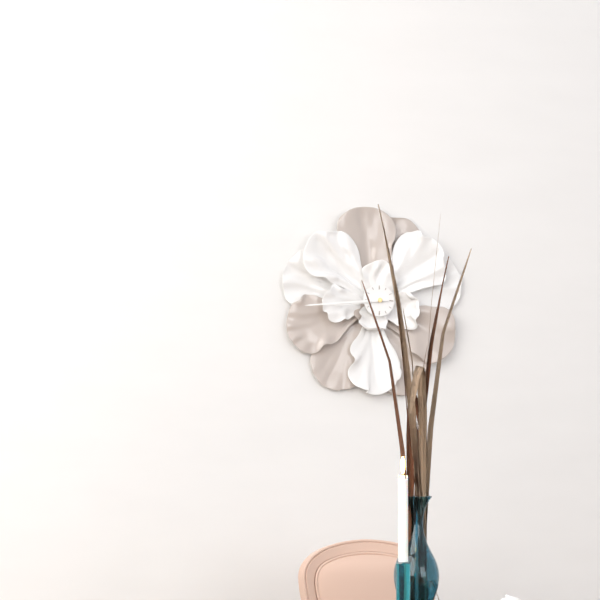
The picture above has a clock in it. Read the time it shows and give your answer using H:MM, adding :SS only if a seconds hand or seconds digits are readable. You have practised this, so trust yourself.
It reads 8:44
